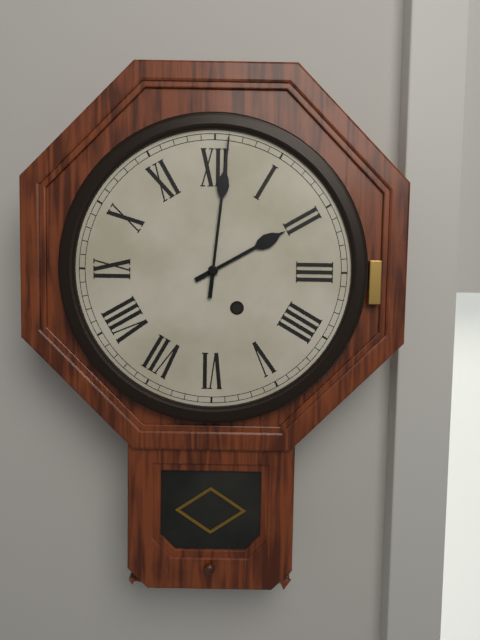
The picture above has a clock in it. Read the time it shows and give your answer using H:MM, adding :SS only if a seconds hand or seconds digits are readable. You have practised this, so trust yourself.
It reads 2:01
